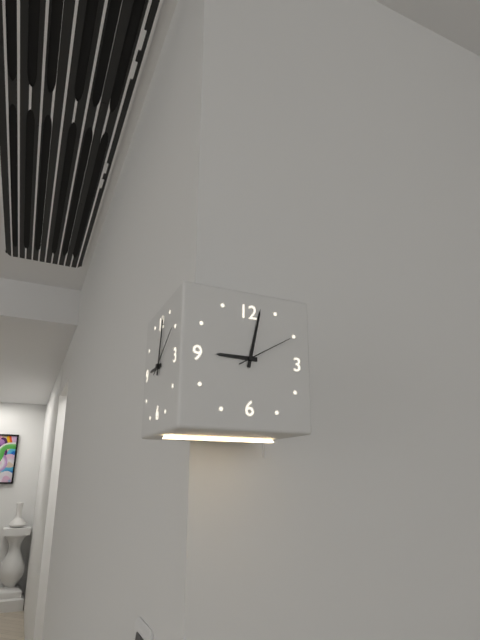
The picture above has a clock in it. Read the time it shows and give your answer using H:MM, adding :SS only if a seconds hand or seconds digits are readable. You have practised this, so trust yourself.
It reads 9:02:10
